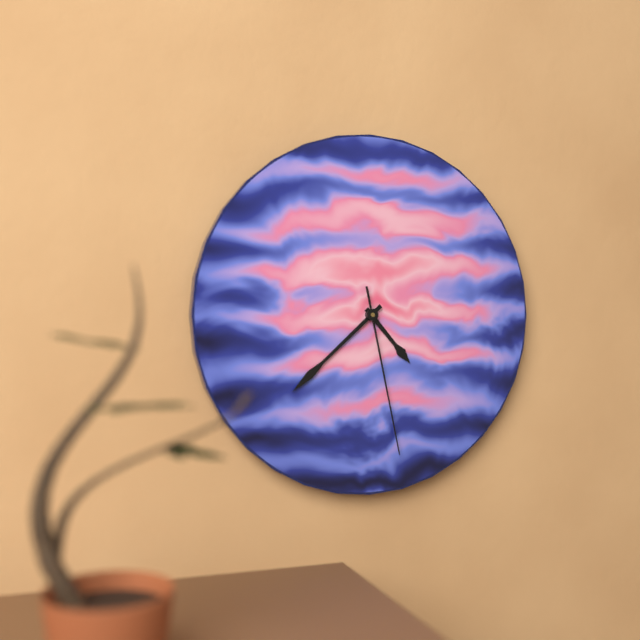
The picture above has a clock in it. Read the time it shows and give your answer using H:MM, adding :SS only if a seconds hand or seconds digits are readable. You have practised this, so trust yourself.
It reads 4:38:28
